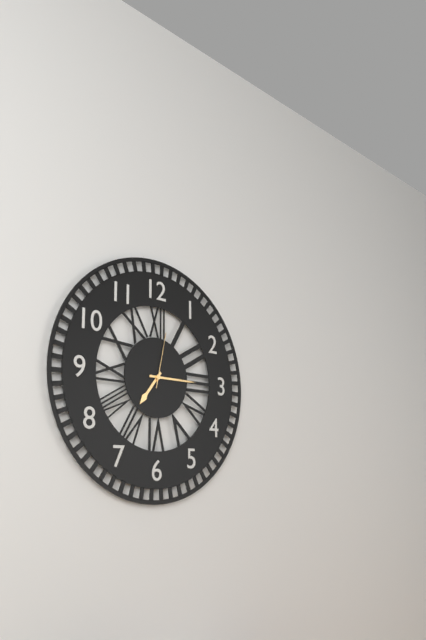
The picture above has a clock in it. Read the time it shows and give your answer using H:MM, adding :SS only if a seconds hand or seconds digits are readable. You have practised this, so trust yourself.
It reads 7:15:02
